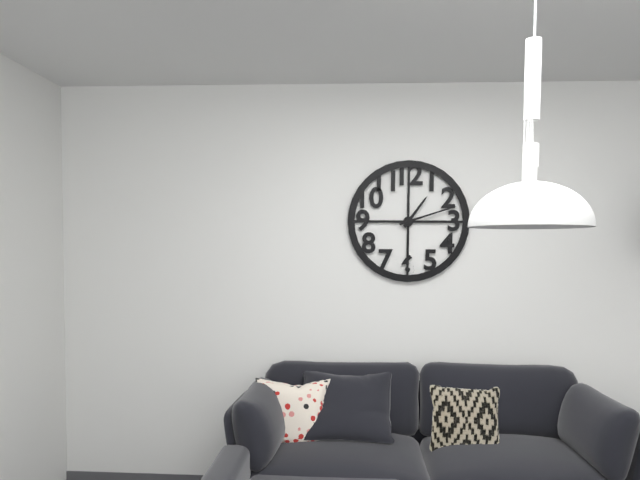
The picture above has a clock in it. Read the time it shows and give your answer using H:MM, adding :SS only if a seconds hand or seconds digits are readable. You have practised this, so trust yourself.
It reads 1:12
